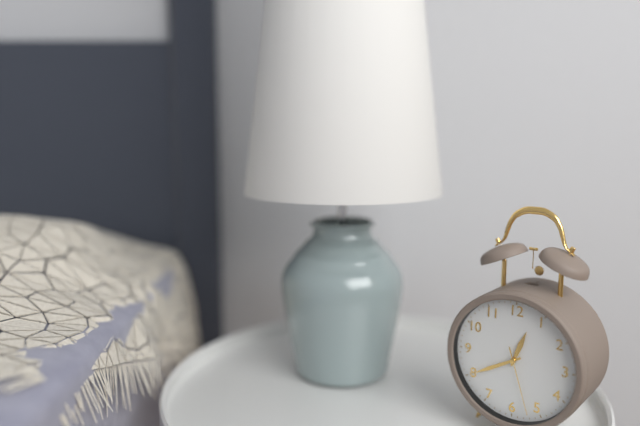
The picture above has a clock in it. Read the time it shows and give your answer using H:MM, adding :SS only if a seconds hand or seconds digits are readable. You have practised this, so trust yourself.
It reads 12:40:27
